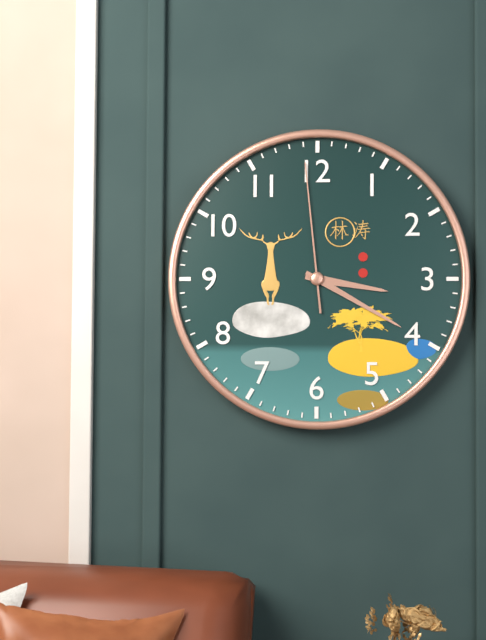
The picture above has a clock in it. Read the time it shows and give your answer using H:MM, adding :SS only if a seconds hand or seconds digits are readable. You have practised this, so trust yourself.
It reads 3:20:59
